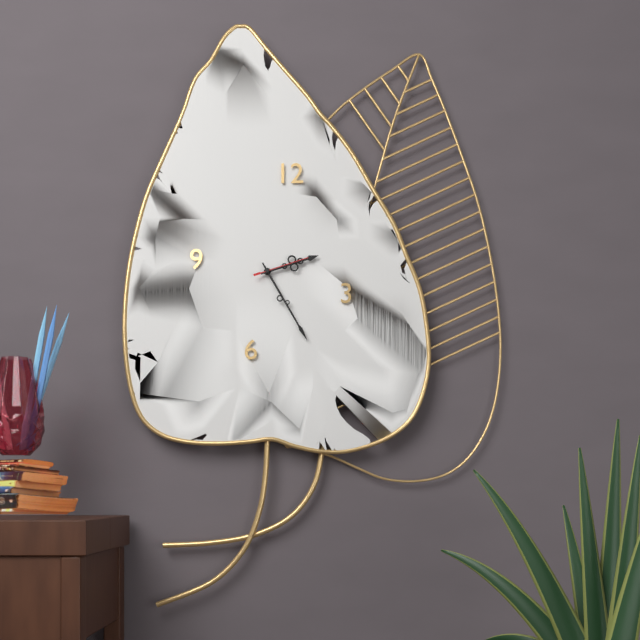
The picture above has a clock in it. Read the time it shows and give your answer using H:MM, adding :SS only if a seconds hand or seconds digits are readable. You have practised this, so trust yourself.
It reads 2:25:12
